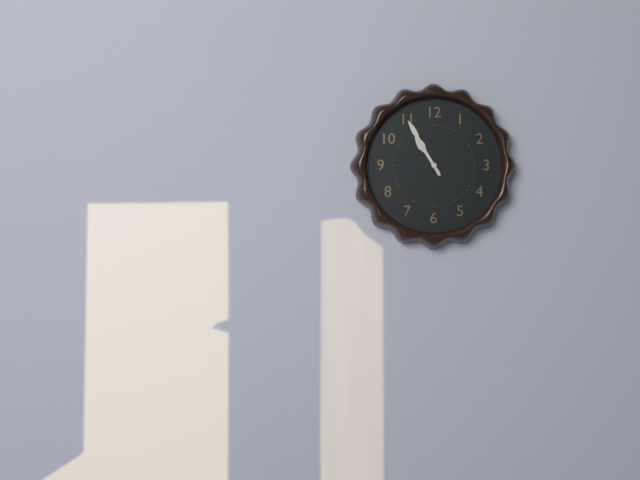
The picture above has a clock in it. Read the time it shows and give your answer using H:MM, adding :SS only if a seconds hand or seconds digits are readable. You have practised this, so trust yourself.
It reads 10:55
